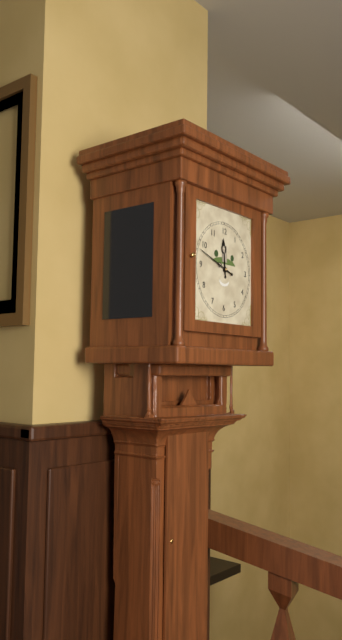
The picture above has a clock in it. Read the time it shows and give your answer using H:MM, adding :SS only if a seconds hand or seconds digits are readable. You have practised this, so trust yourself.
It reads 11:48
